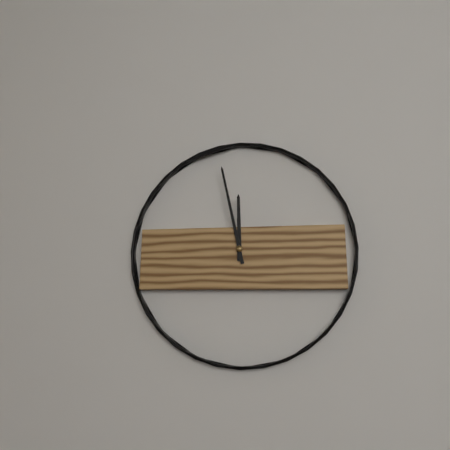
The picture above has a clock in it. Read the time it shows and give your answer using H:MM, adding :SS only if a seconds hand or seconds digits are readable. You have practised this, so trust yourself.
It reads 11:58
